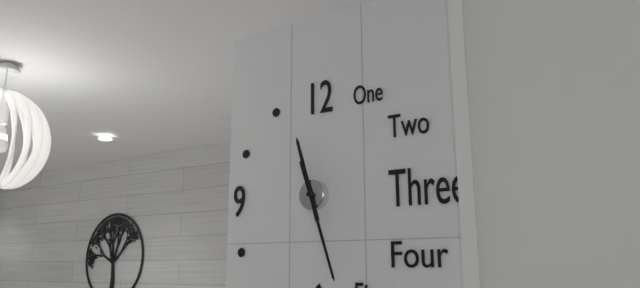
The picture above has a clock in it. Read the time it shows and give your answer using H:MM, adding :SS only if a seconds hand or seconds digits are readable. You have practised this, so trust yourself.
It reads 11:27
